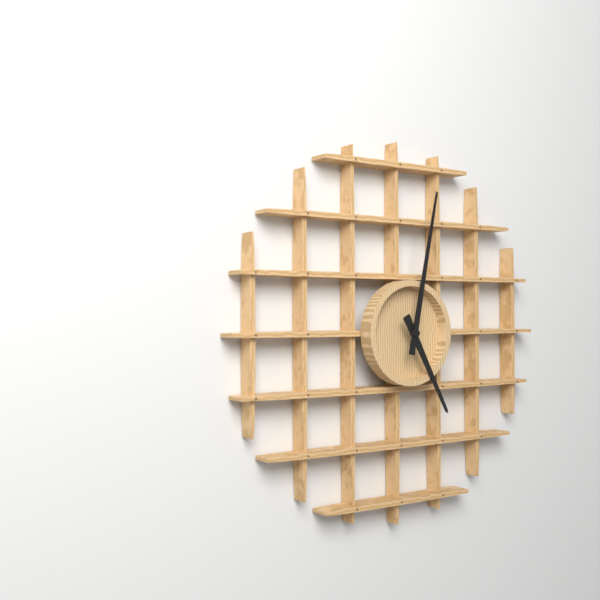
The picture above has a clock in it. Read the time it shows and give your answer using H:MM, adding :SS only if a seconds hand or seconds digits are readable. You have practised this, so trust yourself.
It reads 5:02
